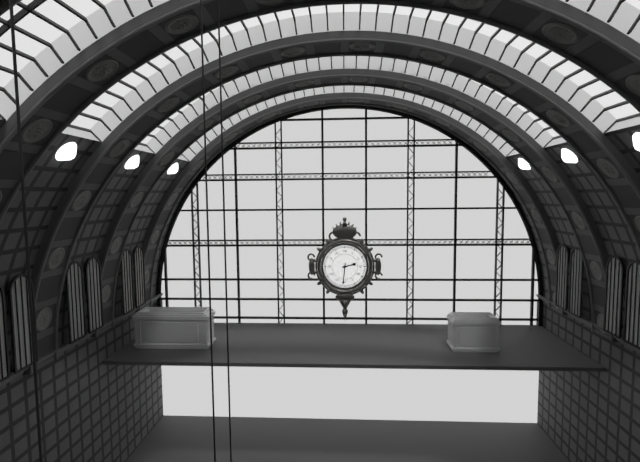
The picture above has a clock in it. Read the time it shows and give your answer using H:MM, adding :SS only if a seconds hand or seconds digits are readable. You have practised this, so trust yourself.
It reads 2:31
